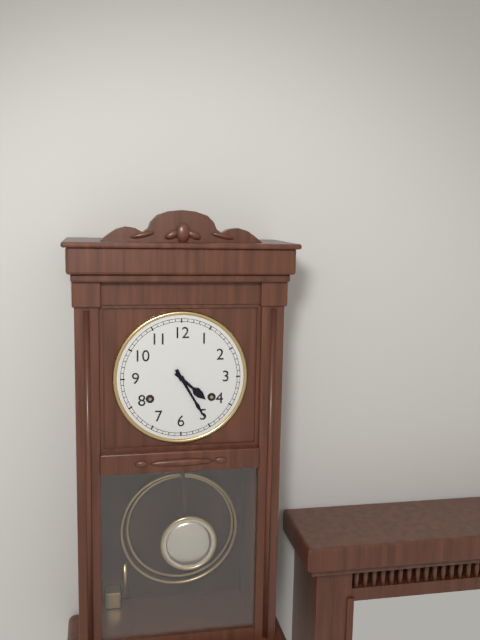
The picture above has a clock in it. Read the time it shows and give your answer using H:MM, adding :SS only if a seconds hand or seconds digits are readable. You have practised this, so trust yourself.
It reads 4:25
